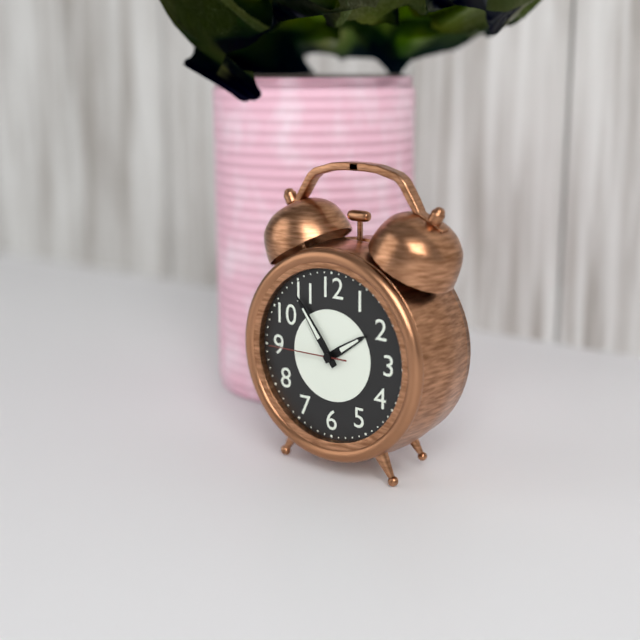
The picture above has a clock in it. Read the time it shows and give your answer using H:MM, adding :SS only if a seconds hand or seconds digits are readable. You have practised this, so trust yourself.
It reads 1:54:45
